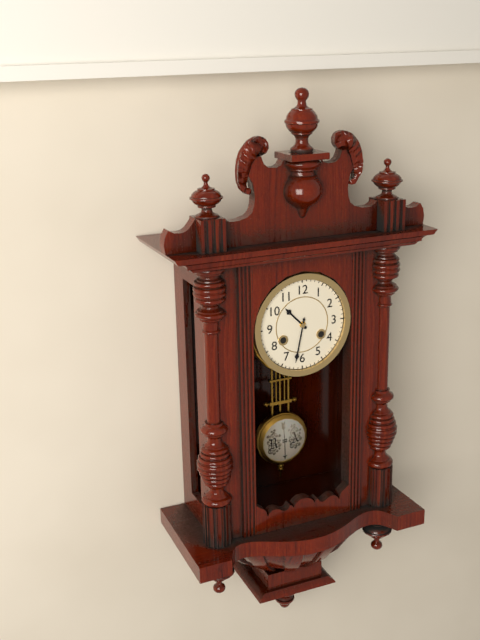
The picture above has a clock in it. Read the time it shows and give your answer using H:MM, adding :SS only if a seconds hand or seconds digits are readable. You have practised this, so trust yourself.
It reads 10:32
